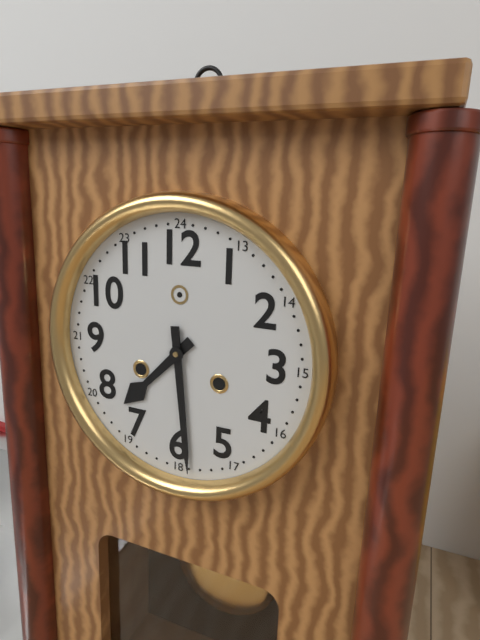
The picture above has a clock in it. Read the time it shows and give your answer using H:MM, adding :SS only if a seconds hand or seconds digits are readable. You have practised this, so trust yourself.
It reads 7:29
